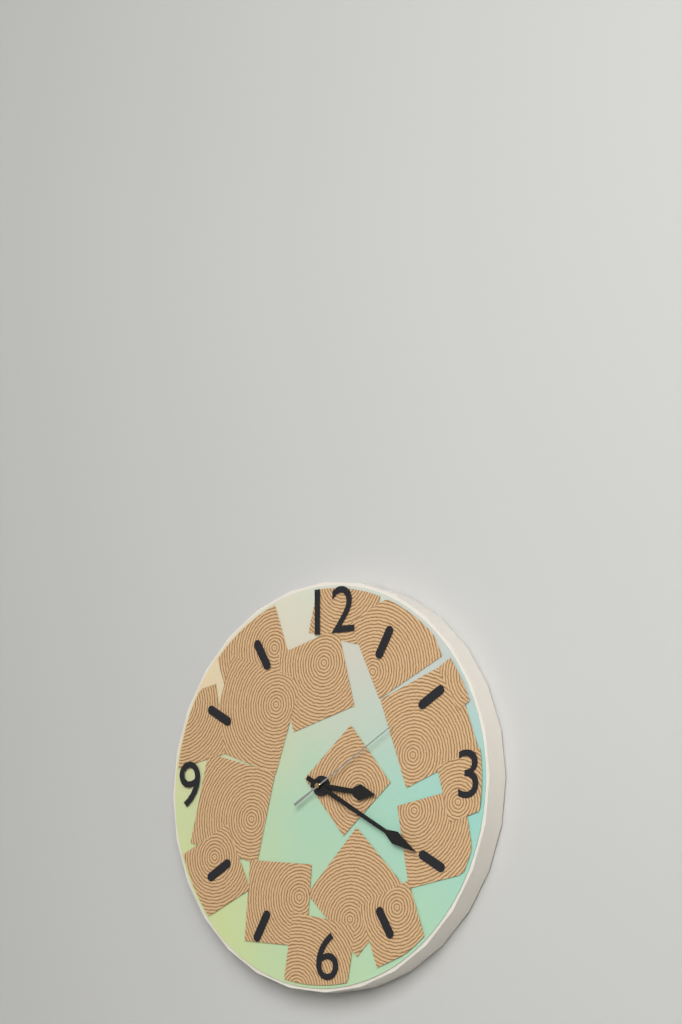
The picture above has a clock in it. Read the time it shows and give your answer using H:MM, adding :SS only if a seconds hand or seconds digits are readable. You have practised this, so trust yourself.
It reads 3:20:10
